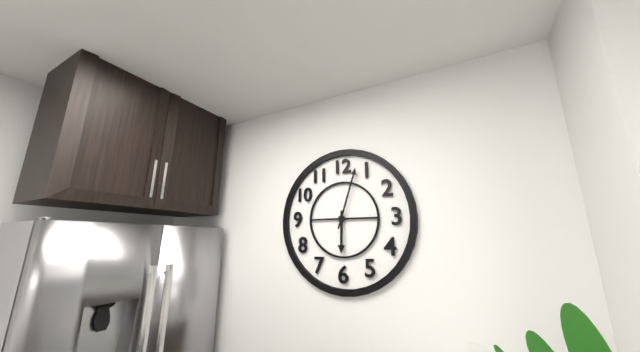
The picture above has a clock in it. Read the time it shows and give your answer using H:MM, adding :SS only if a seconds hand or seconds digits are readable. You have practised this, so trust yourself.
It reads 6:03
